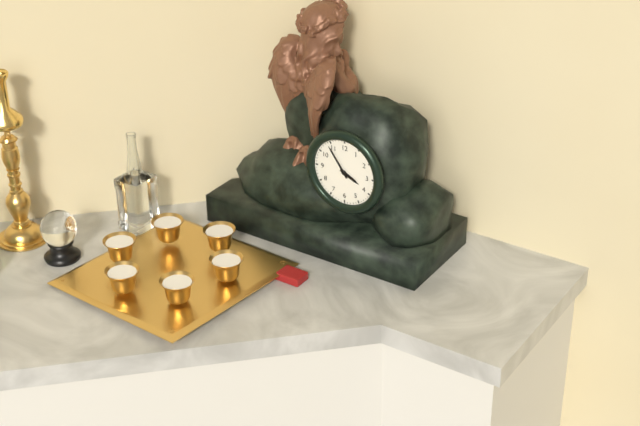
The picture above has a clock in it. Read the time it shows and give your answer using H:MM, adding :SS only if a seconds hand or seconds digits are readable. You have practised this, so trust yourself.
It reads 3:54
